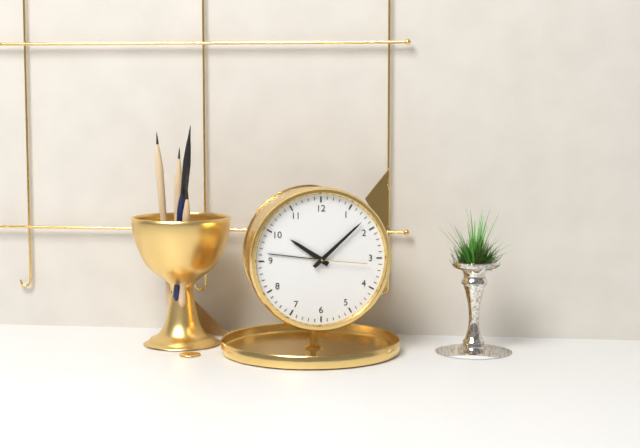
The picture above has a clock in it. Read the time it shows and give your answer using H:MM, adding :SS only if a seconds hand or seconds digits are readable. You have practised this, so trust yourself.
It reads 10:08:16
